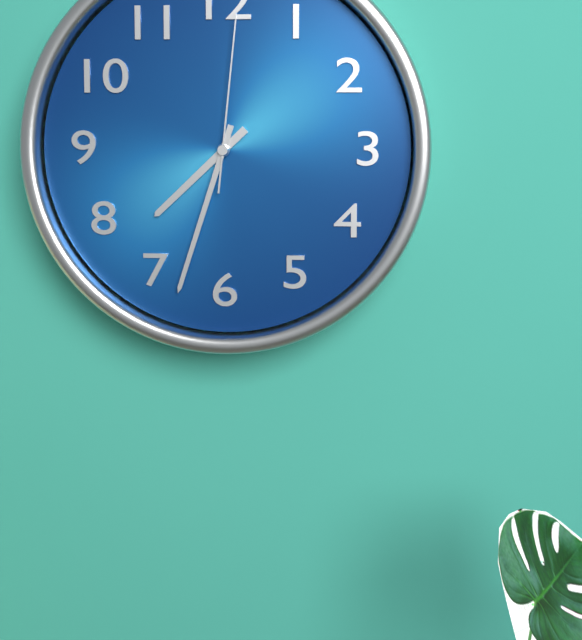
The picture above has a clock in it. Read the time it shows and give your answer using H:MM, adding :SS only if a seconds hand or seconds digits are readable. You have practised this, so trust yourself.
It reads 7:33:01
